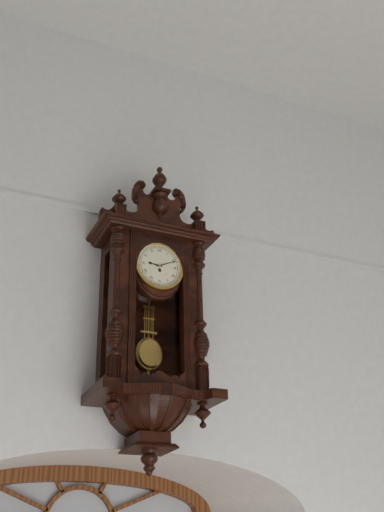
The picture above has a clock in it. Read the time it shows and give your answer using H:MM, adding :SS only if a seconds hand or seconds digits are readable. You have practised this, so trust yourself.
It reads 9:11
